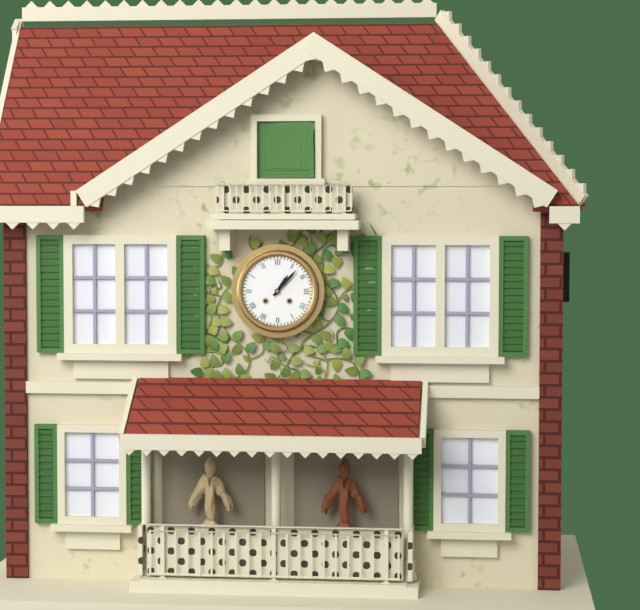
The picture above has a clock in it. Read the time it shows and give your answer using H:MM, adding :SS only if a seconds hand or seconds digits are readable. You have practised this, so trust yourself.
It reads 1:07
